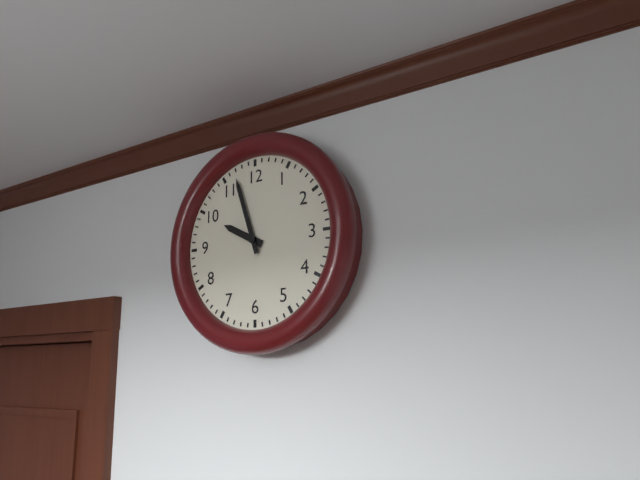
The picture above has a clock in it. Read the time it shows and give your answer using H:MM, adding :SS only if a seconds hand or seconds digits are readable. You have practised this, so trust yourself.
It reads 9:57
